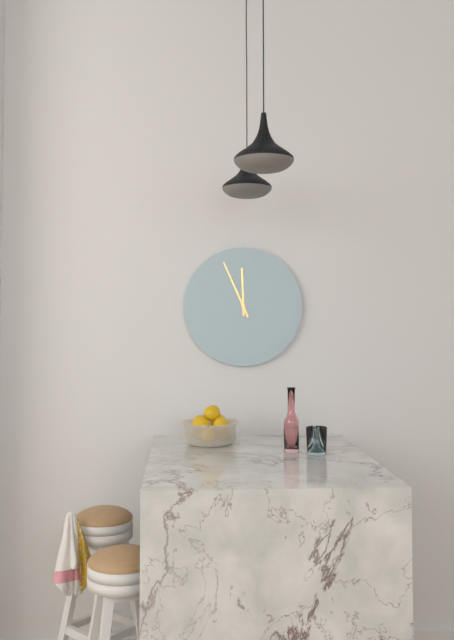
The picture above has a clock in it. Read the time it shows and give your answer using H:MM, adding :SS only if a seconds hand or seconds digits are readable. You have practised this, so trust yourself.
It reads 11:56
